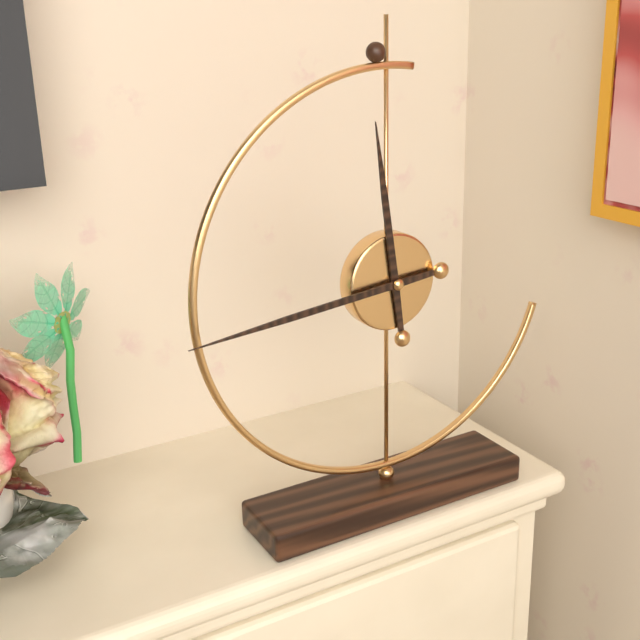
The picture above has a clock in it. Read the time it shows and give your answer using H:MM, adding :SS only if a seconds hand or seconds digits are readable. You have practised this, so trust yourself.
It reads 11:44
